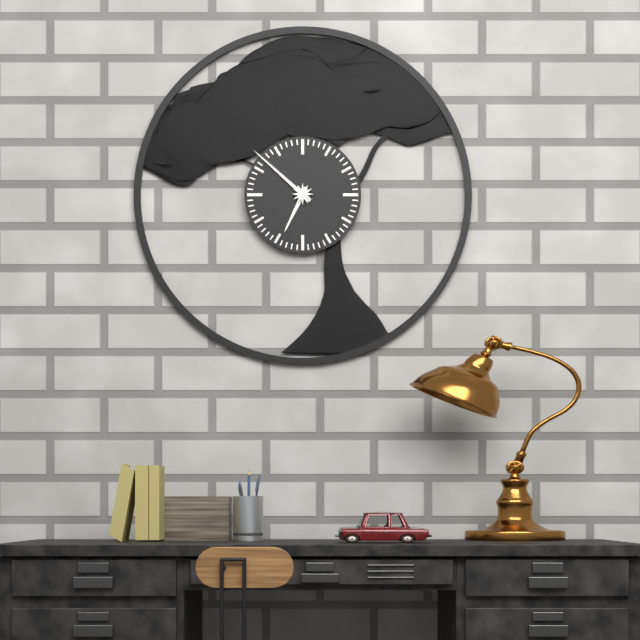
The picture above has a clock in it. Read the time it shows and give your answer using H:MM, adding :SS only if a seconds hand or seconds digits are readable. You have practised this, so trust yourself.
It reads 6:52
